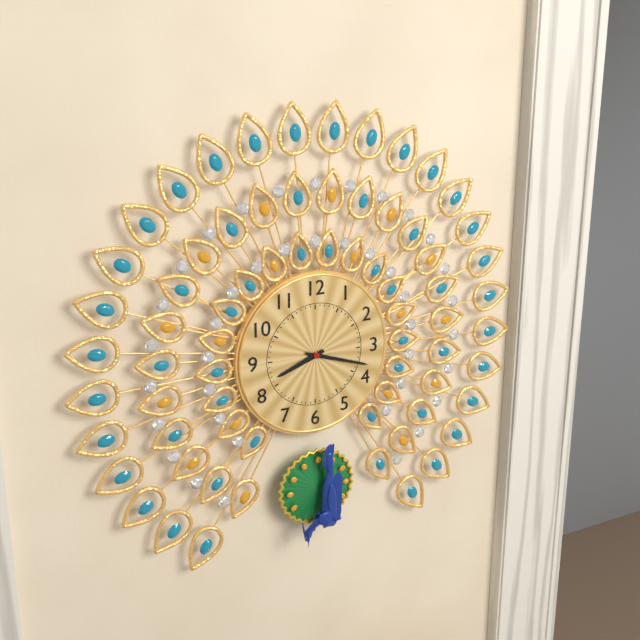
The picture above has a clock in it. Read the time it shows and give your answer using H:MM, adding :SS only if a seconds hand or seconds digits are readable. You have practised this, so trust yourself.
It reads 8:18
